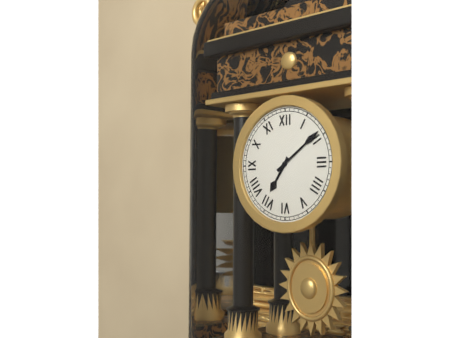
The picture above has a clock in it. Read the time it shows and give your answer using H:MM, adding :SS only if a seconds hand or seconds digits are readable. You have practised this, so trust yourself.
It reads 7:09
